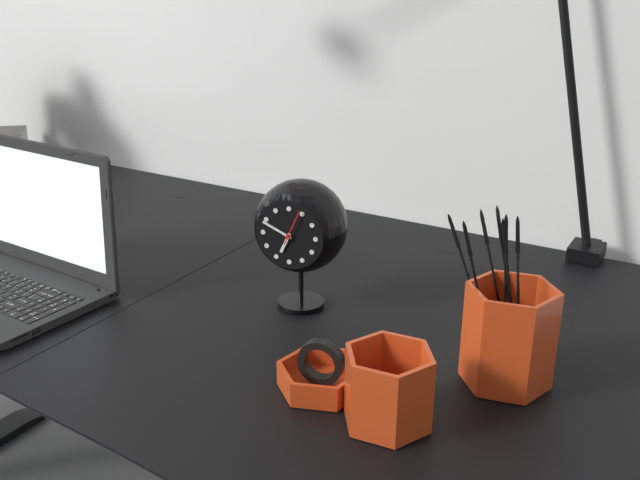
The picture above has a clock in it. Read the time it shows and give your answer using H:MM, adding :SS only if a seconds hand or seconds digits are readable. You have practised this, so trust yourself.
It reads 6:49
